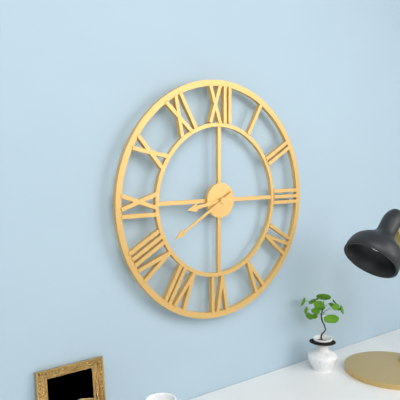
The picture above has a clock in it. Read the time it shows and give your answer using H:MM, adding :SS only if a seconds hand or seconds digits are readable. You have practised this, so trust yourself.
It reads 8:40
